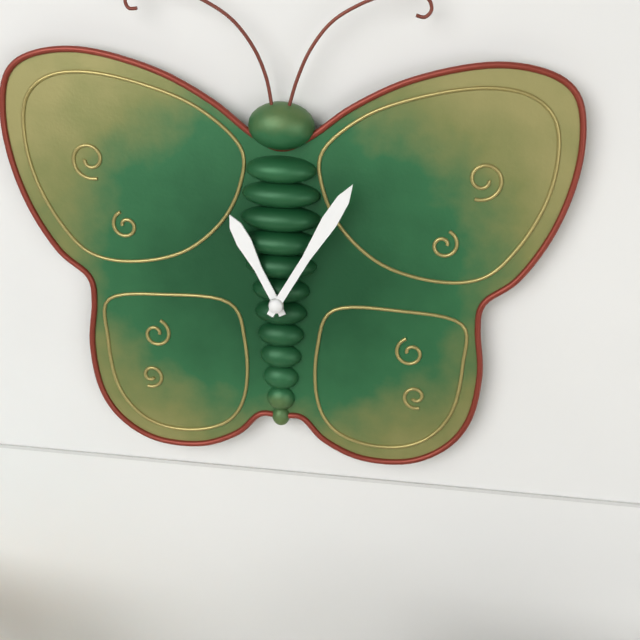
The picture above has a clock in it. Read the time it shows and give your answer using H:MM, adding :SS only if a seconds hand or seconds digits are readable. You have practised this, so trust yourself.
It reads 11:05
